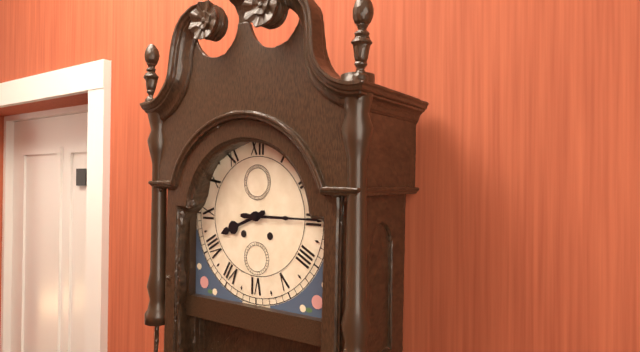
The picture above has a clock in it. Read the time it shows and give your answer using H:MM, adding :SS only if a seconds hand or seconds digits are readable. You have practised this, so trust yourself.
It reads 8:15
